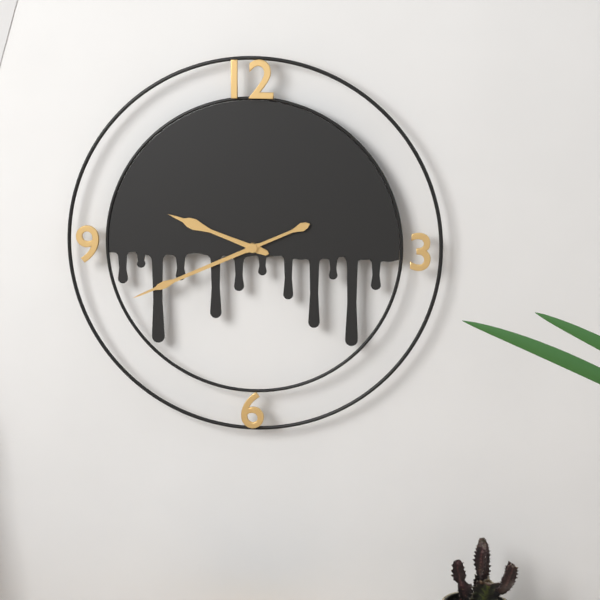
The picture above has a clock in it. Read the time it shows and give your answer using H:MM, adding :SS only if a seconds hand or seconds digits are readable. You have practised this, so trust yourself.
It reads 9:41
